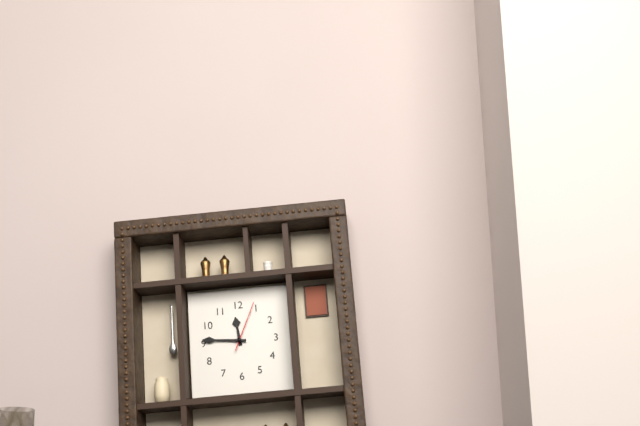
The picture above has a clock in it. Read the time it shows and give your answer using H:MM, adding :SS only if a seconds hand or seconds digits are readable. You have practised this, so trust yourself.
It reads 11:46:04
